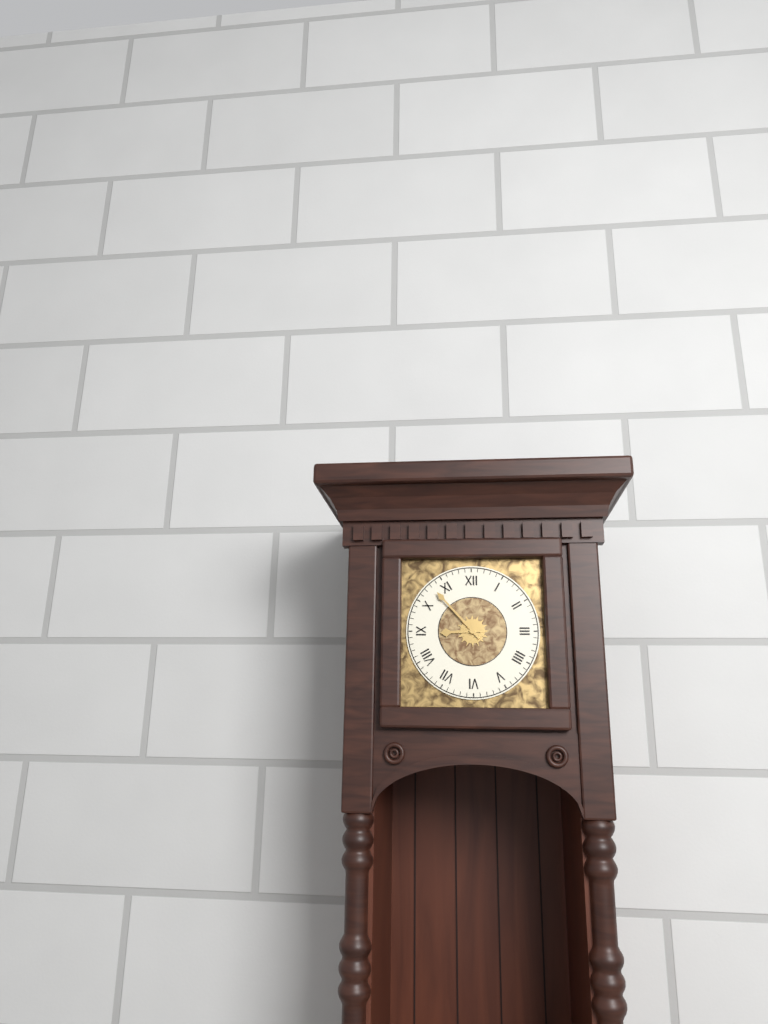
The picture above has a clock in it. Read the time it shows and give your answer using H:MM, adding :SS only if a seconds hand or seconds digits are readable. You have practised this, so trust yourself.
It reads 8:53
